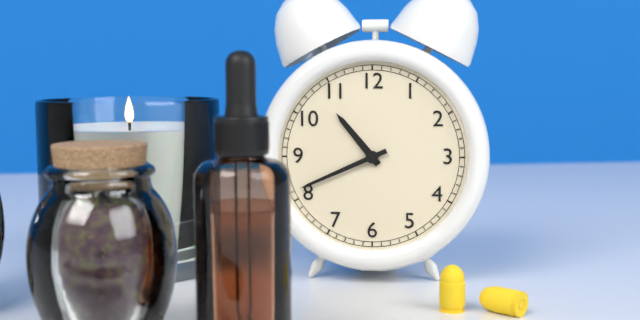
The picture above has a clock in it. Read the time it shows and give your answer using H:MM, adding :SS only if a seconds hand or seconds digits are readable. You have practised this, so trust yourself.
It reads 10:41
